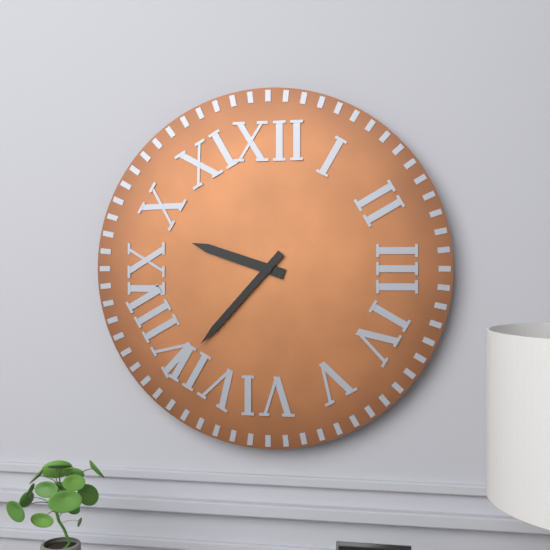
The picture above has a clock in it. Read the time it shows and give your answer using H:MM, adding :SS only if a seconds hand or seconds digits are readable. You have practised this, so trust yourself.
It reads 9:37
